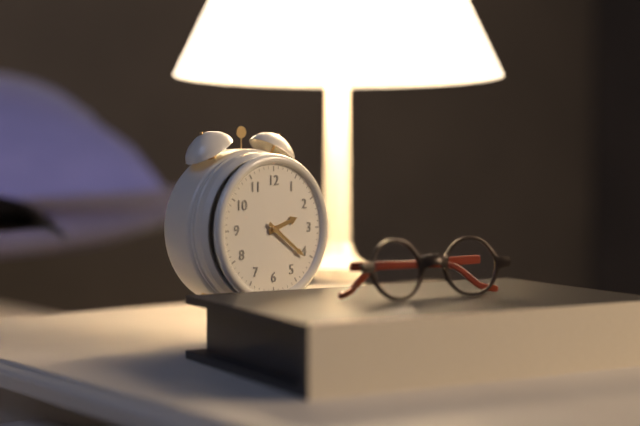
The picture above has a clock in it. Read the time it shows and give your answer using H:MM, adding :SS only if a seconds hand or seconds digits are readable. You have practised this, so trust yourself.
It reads 2:21
